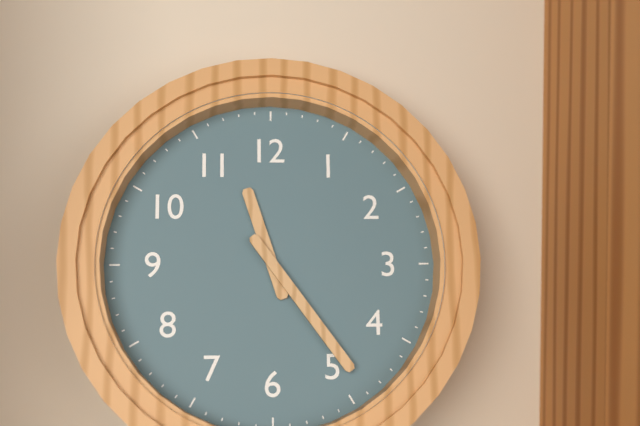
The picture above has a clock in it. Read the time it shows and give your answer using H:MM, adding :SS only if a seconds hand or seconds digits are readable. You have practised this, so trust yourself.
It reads 11:24
